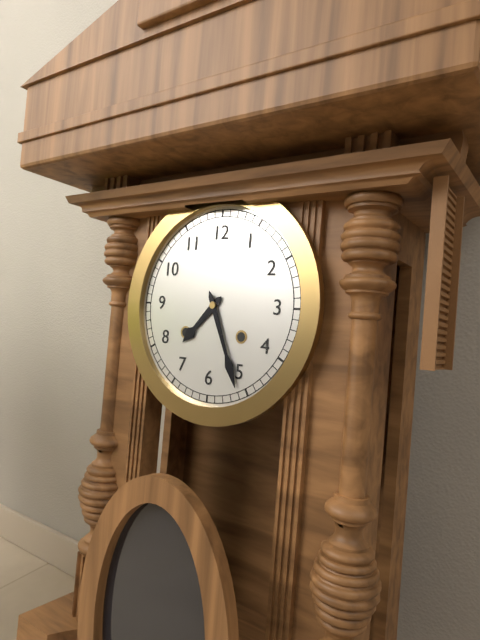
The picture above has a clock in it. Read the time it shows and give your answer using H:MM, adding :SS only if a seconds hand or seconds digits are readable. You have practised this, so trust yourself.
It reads 7:26
